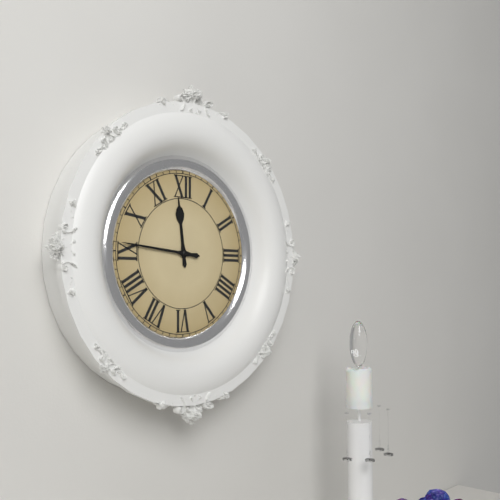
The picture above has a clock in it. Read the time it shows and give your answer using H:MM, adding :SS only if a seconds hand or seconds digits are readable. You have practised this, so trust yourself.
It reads 11:46
